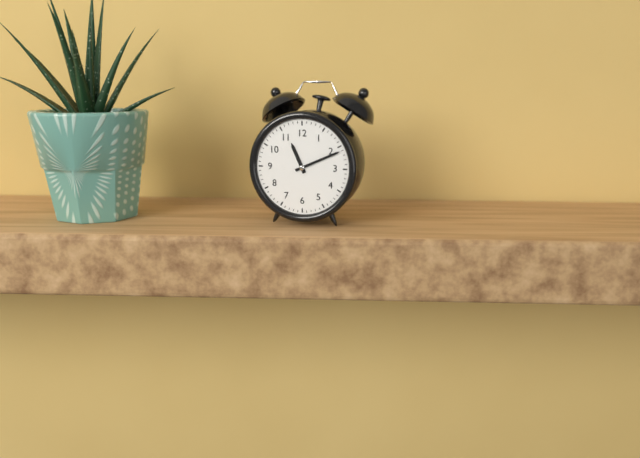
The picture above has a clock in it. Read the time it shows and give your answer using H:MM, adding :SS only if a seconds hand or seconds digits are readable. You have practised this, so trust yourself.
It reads 11:11
